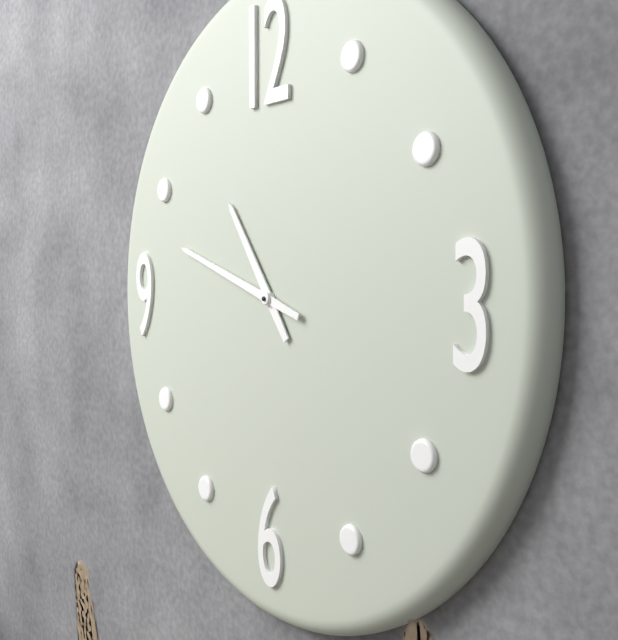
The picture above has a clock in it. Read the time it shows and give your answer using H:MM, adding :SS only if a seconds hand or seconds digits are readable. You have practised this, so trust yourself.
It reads 10:48
